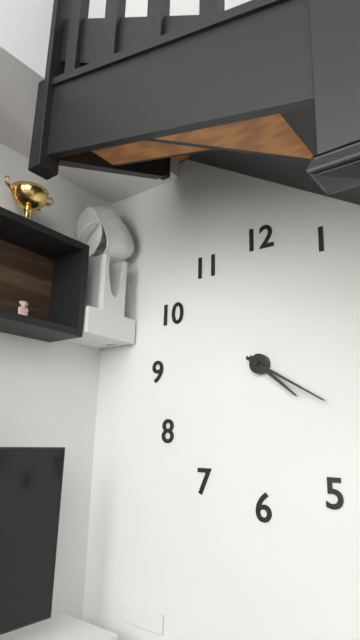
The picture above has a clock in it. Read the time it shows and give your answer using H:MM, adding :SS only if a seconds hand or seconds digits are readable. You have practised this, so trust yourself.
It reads 4:20
